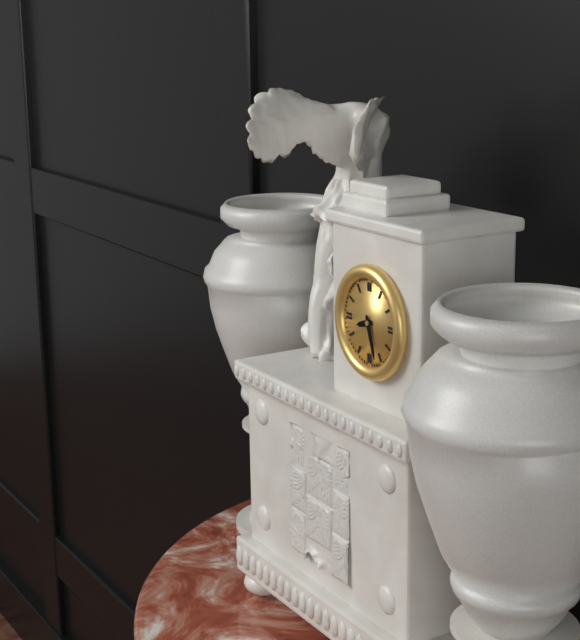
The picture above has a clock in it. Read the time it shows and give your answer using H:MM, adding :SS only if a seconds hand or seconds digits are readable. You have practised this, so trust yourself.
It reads 8:27
